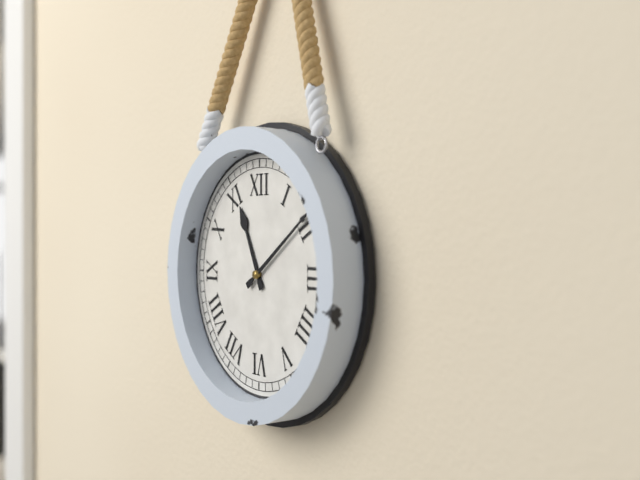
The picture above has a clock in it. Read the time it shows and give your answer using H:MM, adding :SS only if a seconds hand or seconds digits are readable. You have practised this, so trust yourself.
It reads 11:09
